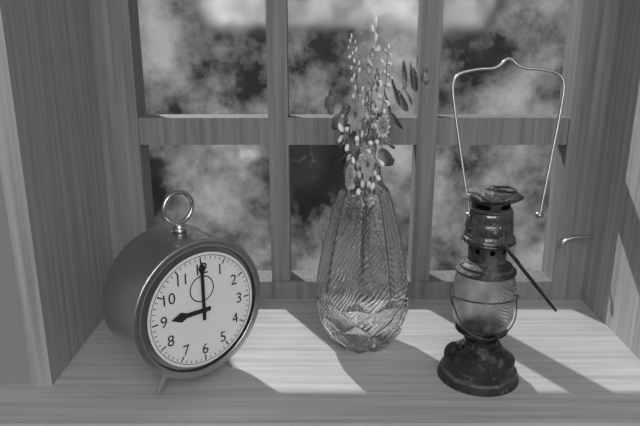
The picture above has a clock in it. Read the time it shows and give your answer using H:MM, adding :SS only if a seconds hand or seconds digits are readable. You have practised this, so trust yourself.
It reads 9:00
